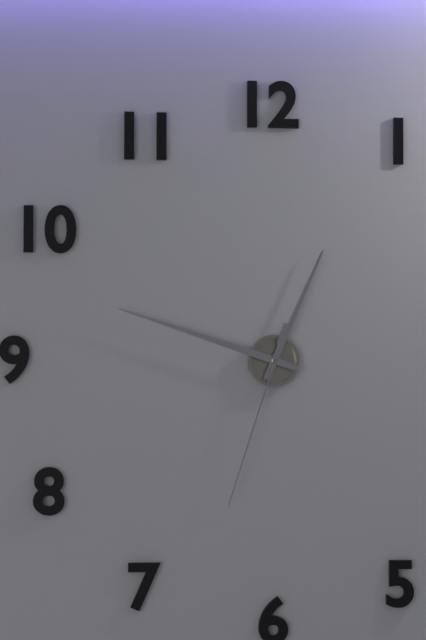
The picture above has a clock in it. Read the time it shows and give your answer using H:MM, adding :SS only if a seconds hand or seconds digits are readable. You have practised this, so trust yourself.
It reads 12:48:33
